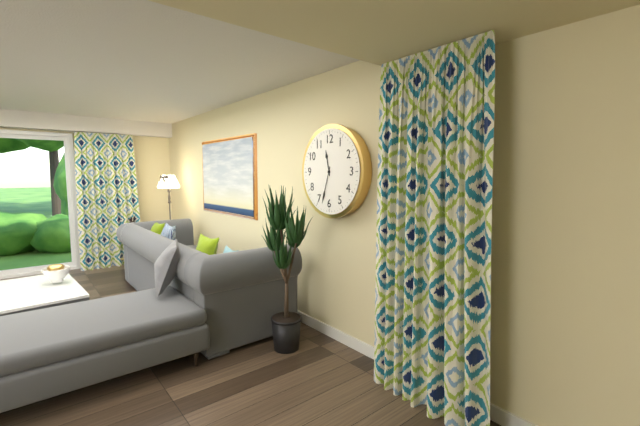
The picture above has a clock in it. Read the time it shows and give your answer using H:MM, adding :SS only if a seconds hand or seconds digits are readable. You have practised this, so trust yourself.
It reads 11:33
